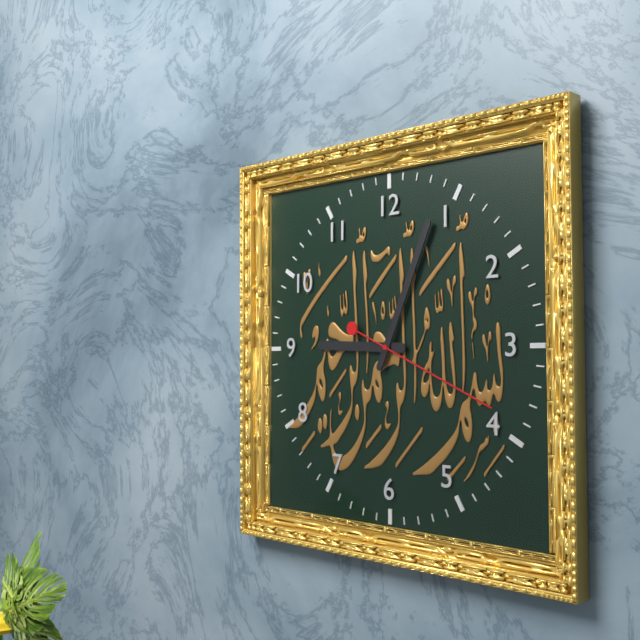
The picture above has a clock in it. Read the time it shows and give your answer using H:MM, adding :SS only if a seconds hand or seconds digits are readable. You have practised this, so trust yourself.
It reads 9:04:19
